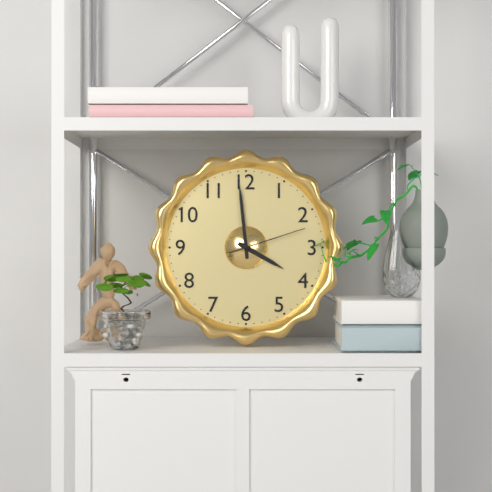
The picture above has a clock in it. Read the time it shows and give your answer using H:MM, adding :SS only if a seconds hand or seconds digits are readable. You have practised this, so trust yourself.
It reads 3:59:12
